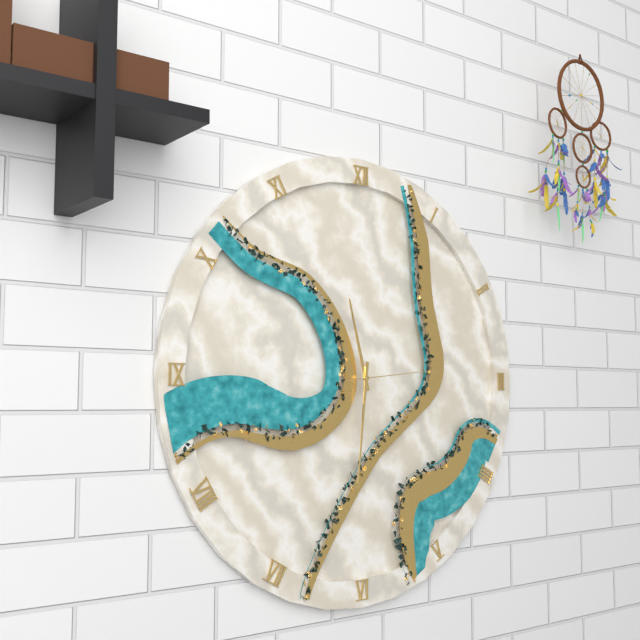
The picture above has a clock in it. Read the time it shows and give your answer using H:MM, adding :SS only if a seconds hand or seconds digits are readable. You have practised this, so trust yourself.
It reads 11:31:14
